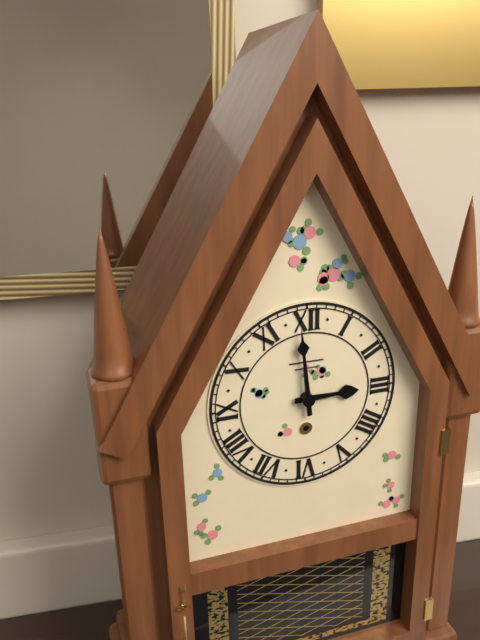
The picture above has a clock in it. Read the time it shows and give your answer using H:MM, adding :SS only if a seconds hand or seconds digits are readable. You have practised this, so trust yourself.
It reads 2:59
